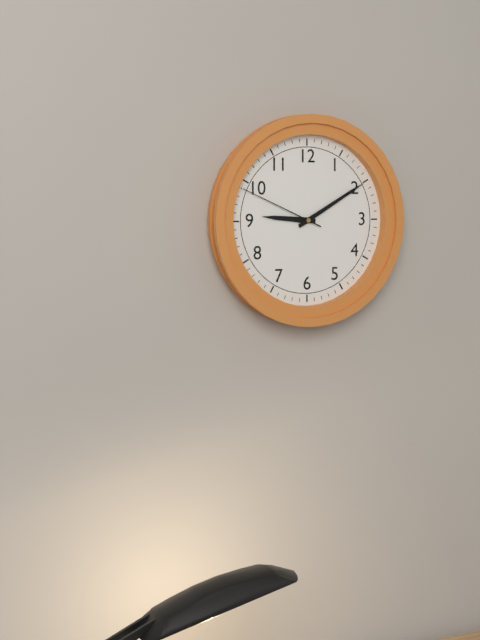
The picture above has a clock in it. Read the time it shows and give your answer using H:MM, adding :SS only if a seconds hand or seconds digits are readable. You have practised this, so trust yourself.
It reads 9:10:49
